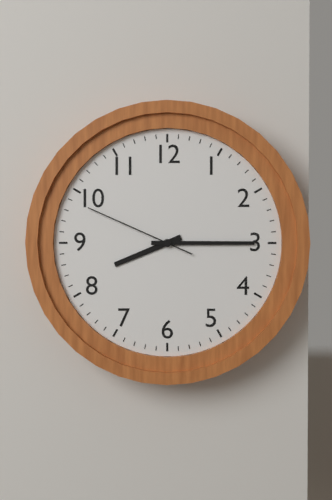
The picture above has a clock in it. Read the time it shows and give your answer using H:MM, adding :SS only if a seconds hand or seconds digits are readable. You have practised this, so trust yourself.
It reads 8:15:49
